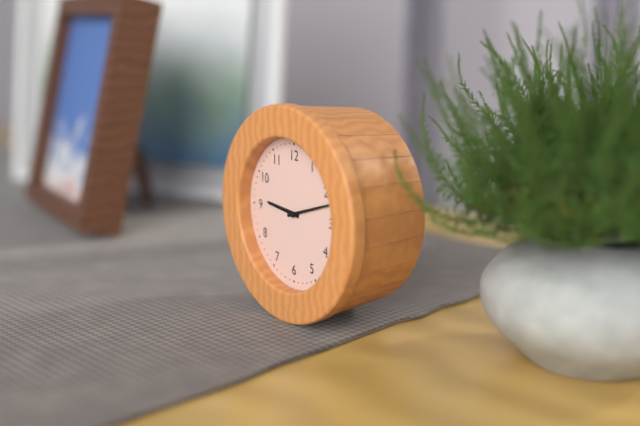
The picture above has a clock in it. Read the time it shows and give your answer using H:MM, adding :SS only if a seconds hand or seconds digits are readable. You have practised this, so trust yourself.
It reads 9:12
